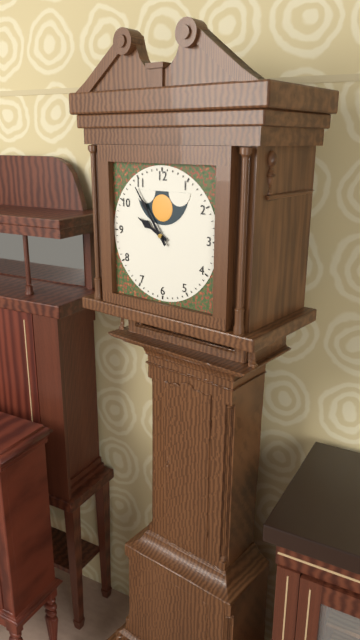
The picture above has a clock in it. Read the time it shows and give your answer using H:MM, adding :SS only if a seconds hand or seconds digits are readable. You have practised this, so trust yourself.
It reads 9:54
